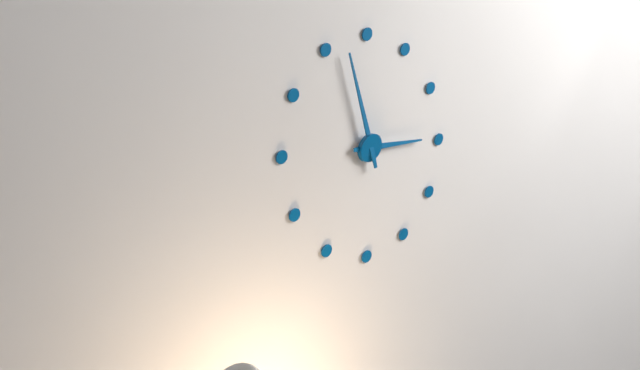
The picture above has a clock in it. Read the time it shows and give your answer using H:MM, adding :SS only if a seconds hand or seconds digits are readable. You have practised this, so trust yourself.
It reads 2:57
